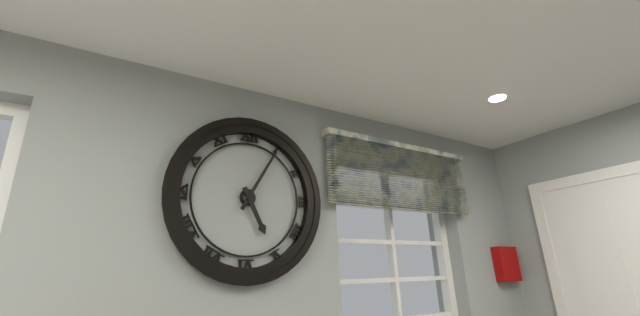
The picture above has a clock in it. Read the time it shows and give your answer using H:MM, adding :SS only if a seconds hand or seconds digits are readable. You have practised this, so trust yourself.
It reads 5:05
